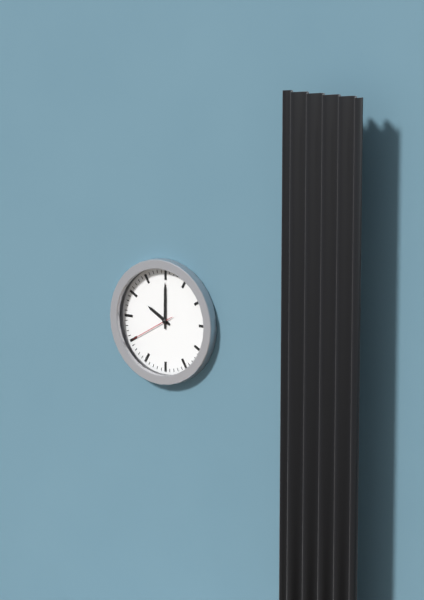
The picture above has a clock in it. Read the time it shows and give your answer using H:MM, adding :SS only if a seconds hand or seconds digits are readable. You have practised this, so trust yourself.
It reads 10:00
